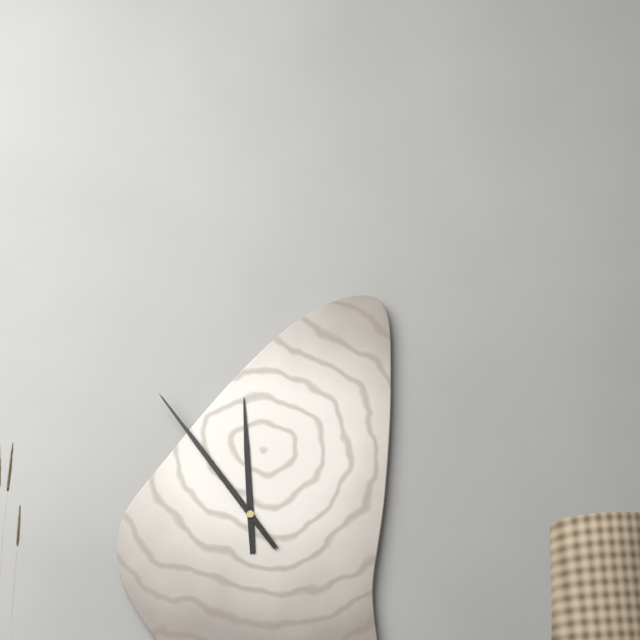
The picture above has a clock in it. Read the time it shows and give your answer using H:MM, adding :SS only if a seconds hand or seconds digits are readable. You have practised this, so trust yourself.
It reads 11:54
